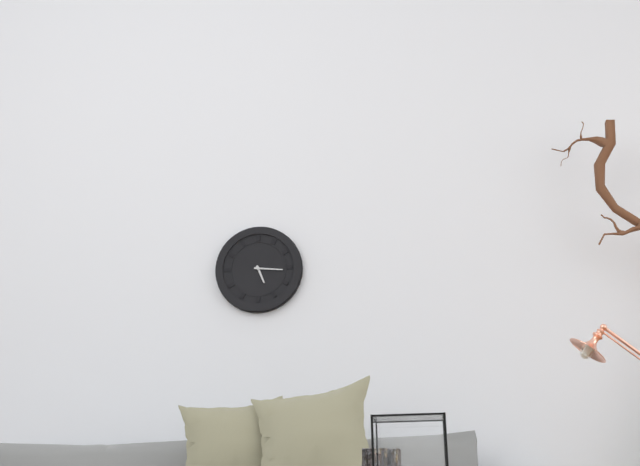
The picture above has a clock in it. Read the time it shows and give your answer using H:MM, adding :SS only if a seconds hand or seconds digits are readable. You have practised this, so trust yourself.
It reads 5:16
